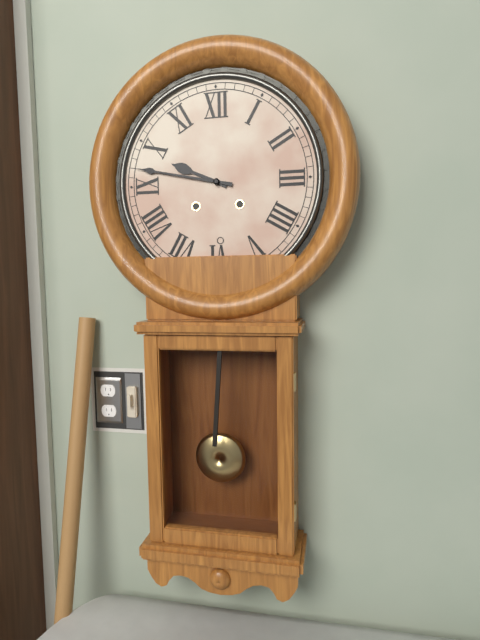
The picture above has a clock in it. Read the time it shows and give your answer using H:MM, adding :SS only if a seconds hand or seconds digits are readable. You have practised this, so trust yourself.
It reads 9:47
